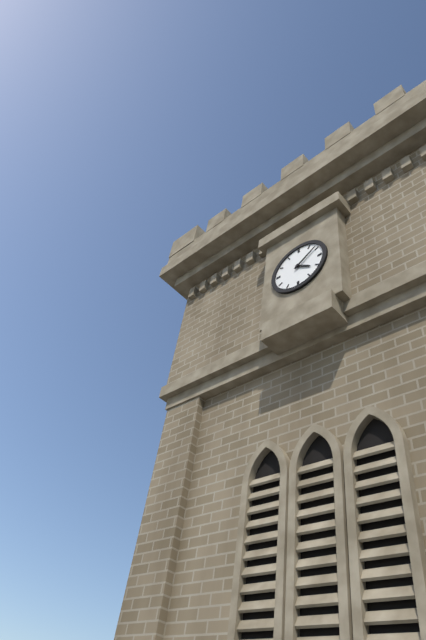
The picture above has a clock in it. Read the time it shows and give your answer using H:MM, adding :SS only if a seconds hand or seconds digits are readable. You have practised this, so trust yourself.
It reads 4:09
